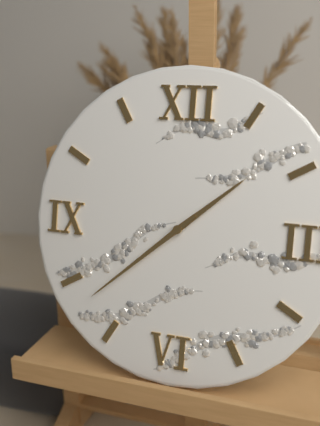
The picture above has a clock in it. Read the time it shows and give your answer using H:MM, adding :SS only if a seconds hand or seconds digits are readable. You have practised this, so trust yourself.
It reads 1:38
